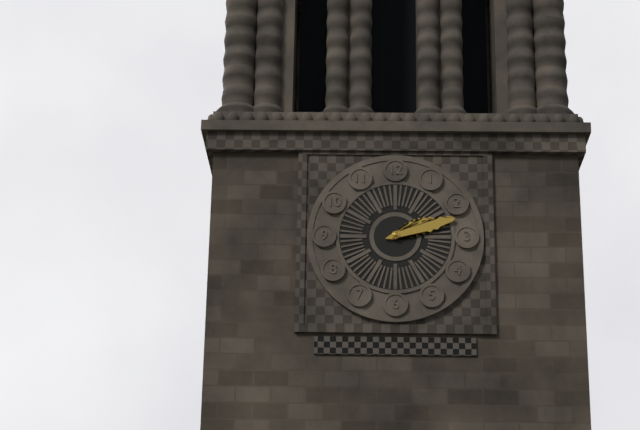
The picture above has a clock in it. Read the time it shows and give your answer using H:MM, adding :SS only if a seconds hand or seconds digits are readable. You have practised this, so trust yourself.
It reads 2:12
